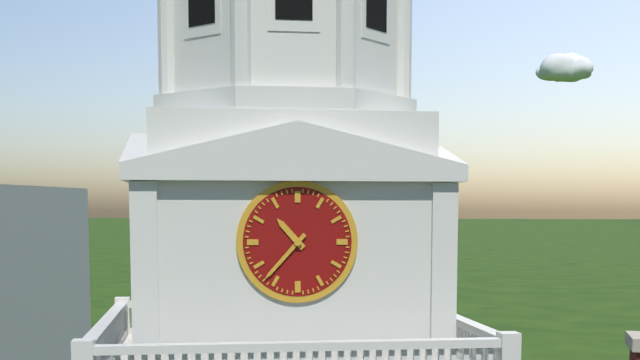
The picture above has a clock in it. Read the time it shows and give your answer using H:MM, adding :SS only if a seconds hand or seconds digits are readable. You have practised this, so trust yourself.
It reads 10:37
